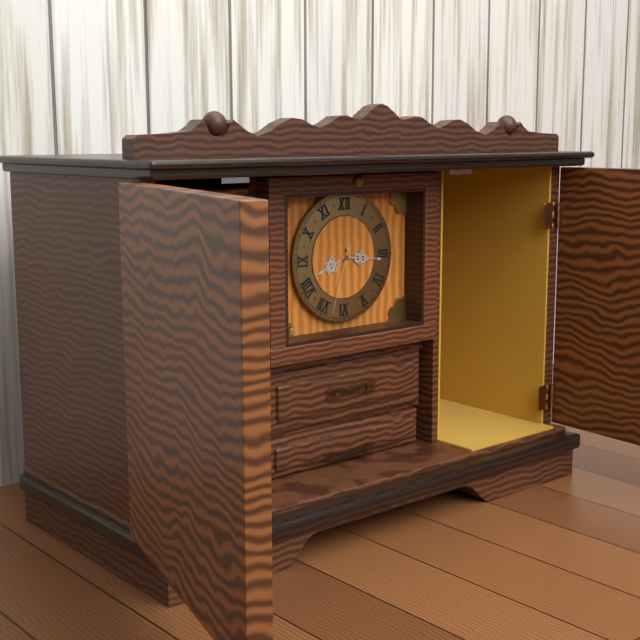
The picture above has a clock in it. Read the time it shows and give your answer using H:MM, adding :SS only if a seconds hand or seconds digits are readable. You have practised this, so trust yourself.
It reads 8:16:33
